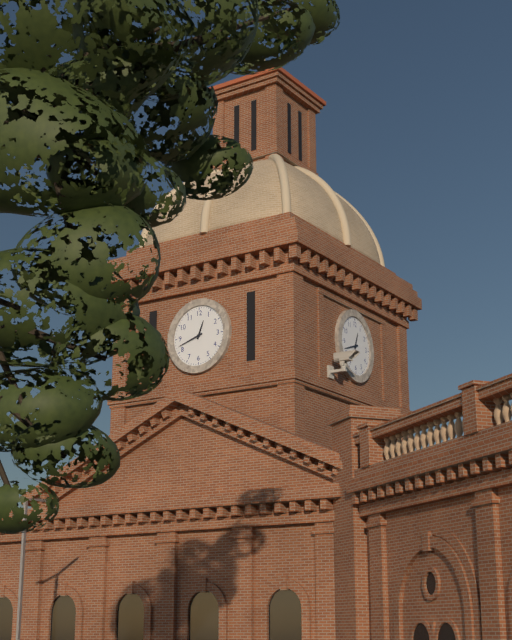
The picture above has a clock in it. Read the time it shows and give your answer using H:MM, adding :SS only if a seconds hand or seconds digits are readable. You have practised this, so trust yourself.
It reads 12:42
